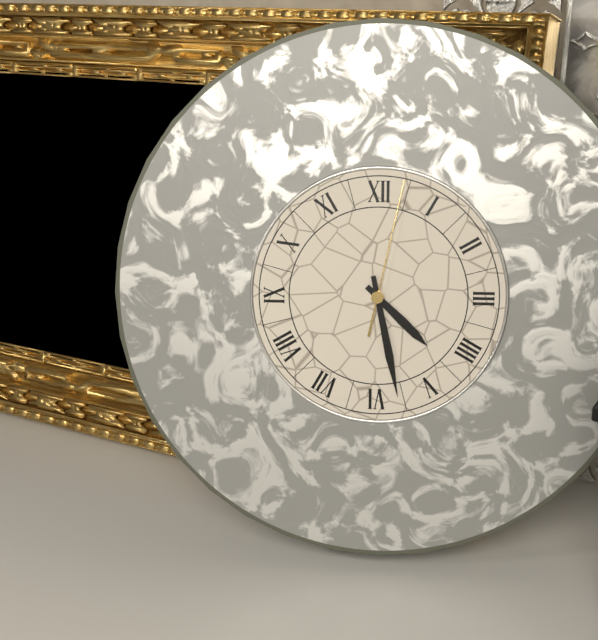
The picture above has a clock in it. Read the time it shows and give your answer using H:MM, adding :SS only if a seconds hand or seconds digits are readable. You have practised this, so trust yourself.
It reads 4:28:02
